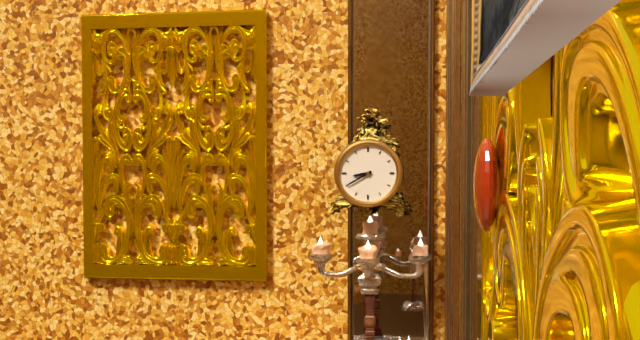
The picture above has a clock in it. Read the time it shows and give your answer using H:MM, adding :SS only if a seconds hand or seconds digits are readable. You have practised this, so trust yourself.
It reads 8:40
